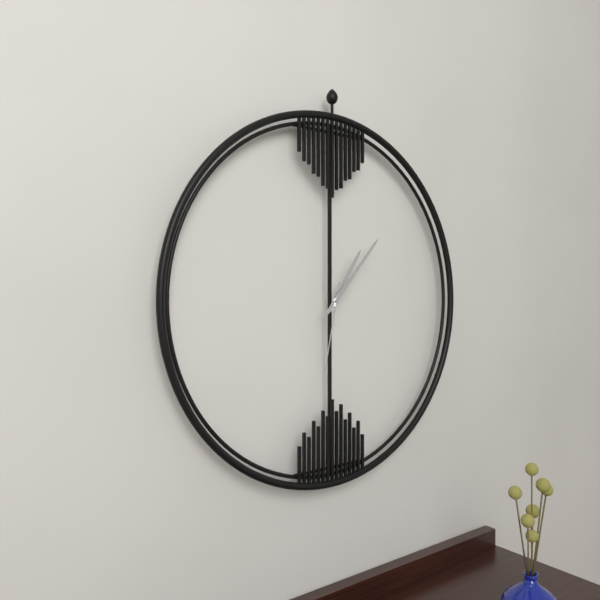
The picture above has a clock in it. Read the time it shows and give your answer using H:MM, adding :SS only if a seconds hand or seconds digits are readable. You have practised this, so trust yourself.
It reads 1:07:32
